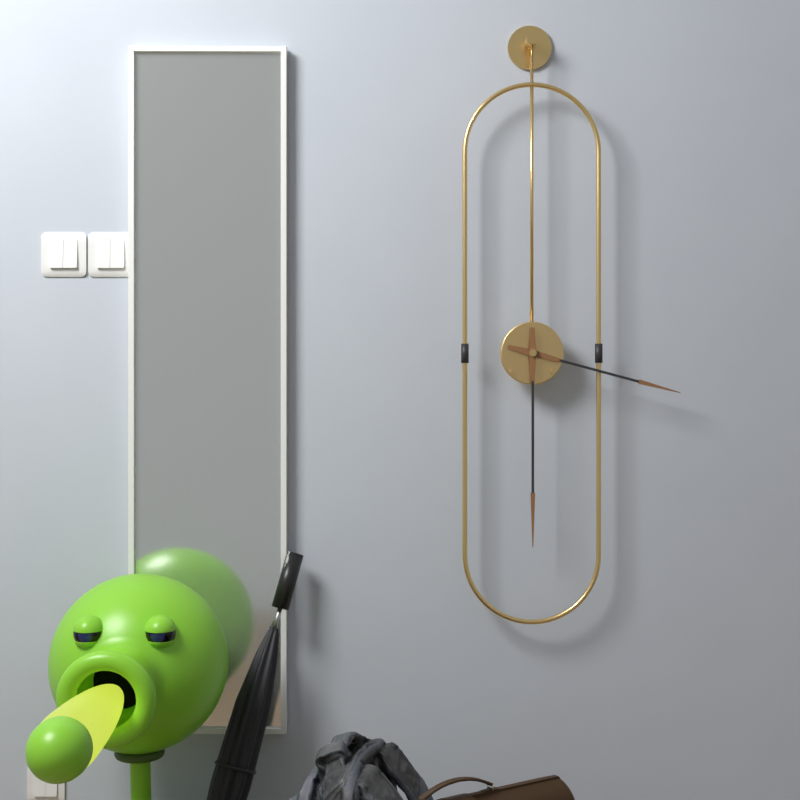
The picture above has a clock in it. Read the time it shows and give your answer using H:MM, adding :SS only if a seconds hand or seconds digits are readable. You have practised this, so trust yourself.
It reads 3:30
